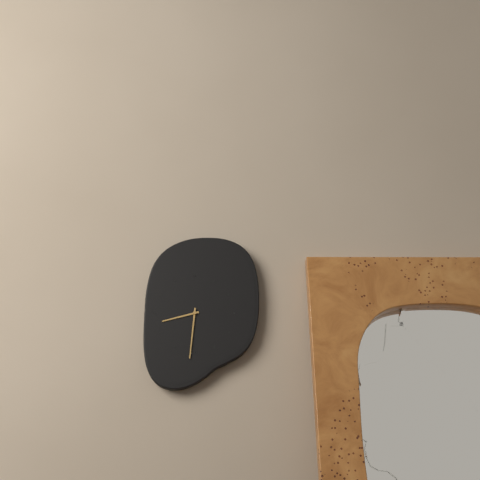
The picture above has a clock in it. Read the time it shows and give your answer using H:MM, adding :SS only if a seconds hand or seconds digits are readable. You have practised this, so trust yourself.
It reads 8:31
